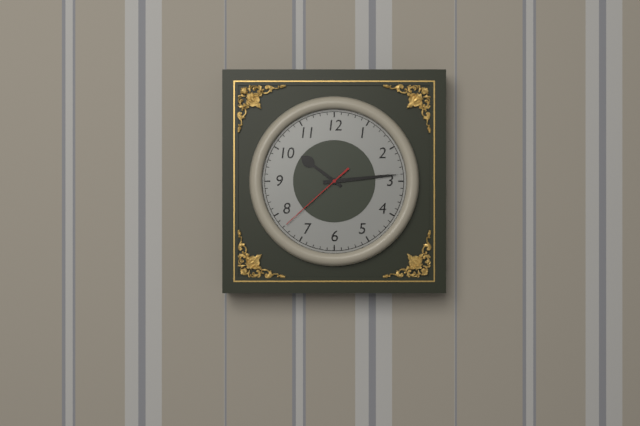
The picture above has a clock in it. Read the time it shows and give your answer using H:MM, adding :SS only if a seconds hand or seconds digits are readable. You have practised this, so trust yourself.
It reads 10:14:38
